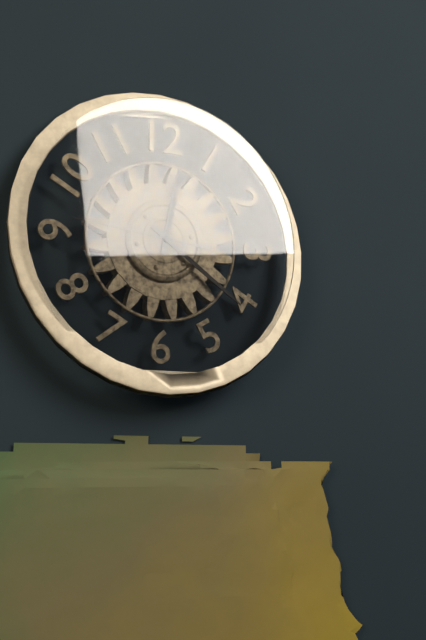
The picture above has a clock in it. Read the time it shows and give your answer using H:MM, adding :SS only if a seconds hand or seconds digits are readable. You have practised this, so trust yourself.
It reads 12:21:46
